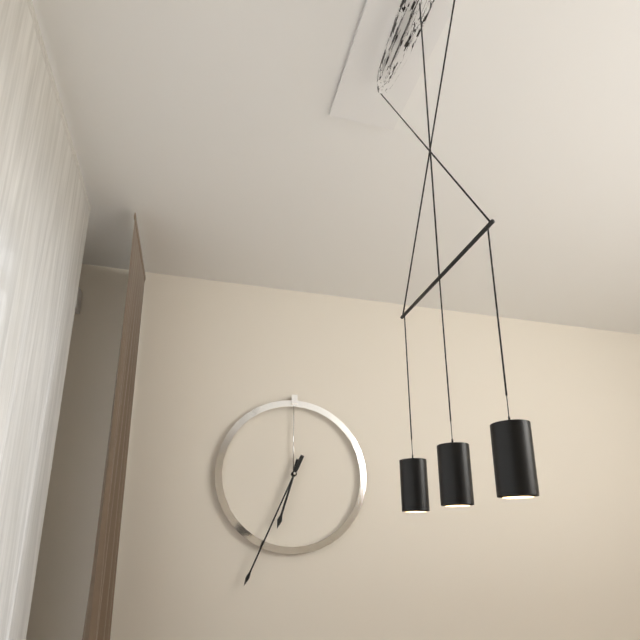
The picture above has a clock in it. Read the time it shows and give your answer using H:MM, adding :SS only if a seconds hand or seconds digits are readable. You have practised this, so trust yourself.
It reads 6:34
